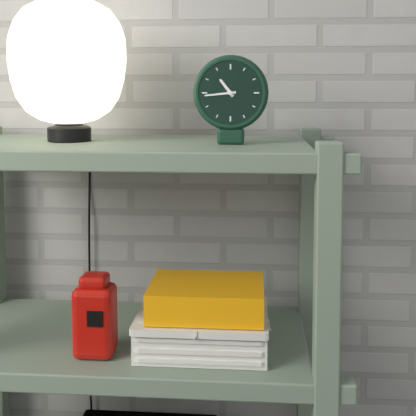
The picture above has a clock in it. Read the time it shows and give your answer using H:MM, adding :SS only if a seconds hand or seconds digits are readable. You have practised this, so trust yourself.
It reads 10:44
